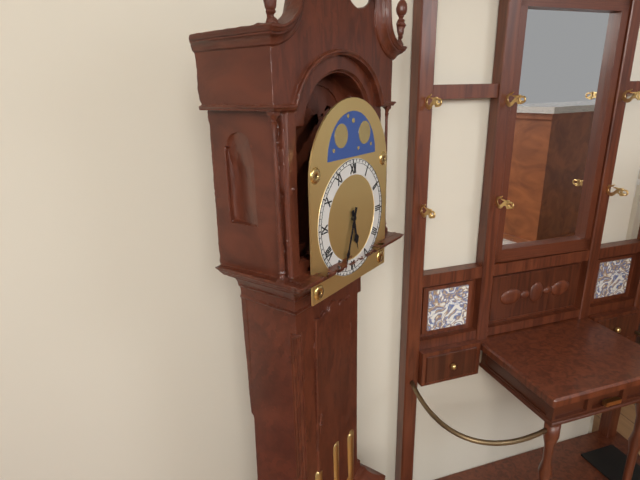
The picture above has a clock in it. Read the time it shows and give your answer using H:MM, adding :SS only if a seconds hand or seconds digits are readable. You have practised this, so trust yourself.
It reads 5:33
